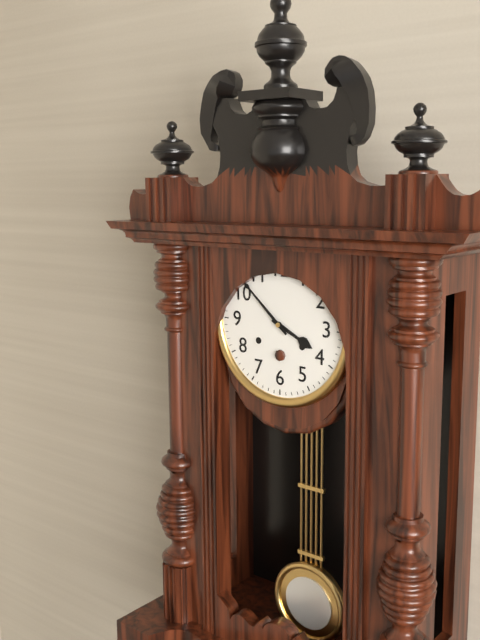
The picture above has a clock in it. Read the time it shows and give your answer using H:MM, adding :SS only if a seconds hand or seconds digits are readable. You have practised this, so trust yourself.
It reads 3:52
